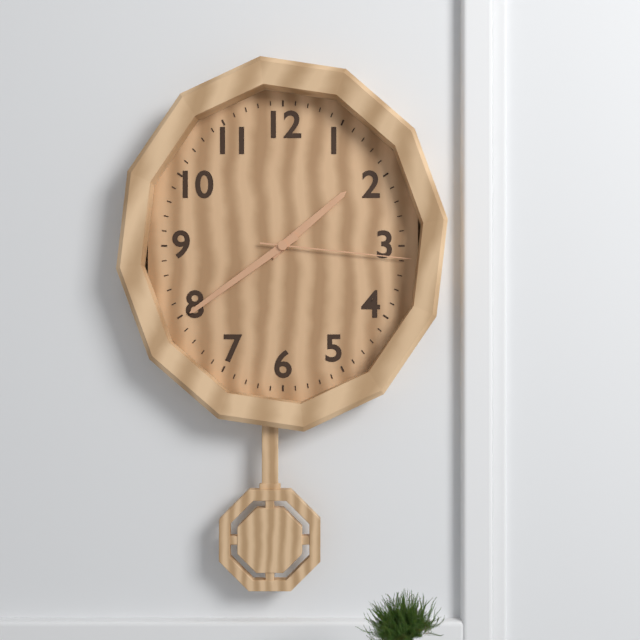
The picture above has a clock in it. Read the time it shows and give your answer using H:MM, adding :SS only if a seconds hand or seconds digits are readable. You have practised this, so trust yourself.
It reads 1:39:16
